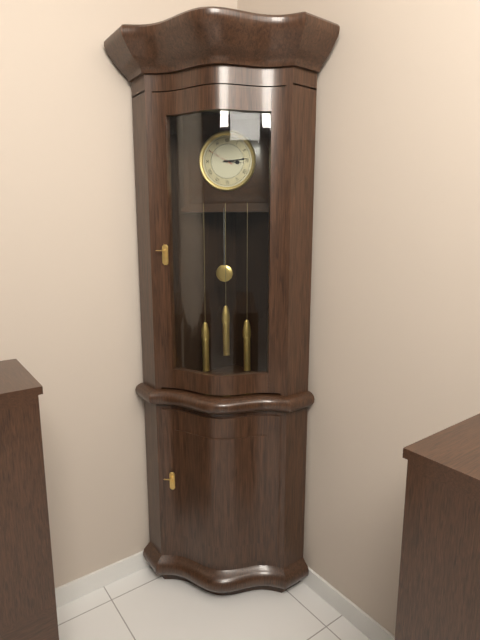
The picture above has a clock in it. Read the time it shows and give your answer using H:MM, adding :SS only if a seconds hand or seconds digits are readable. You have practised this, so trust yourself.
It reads 3:14
